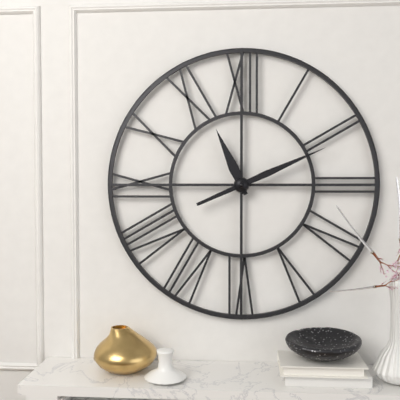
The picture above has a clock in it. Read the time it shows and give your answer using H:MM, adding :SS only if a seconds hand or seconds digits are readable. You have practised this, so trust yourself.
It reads 11:11
